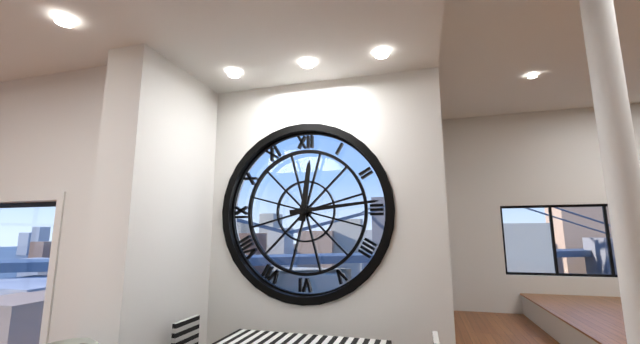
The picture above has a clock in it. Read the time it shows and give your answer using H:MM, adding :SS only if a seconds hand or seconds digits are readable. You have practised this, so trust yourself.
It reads 12:14
